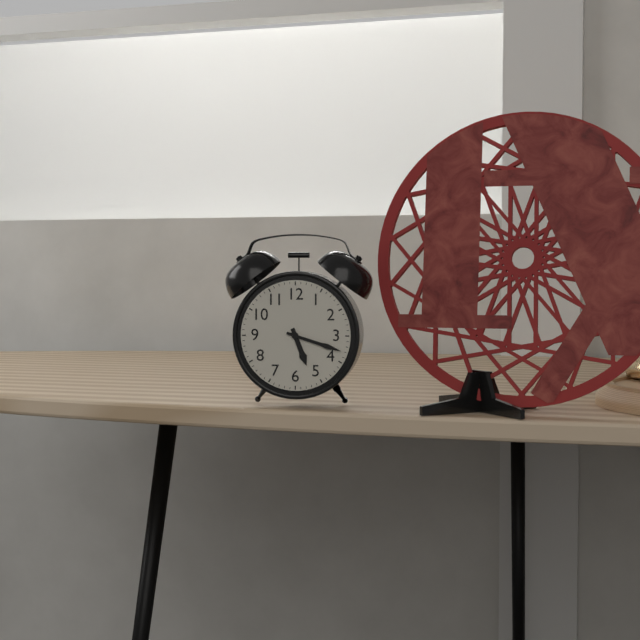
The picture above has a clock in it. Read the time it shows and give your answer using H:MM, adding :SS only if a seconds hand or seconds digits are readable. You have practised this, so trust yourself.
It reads 5:18
